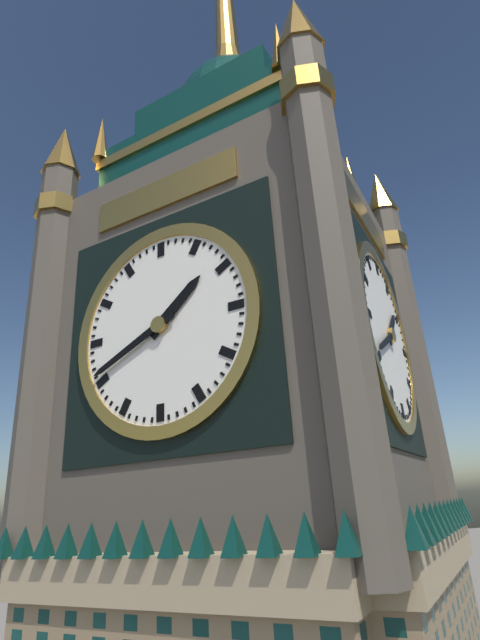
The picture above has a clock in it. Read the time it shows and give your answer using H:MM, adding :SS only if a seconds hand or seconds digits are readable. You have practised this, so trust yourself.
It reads 1:41
